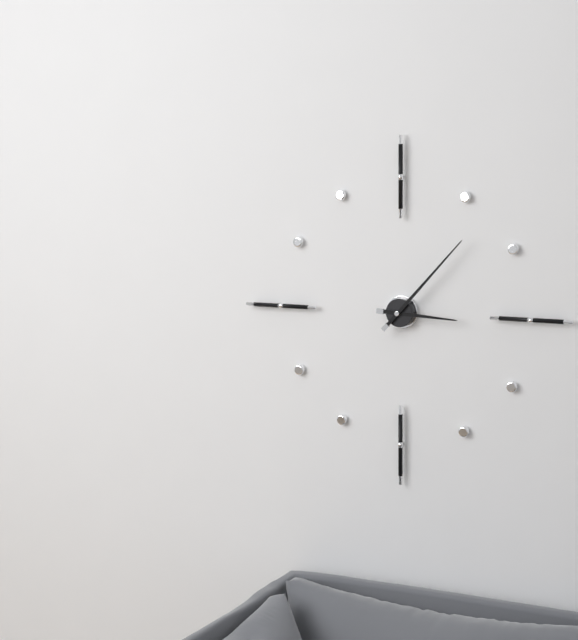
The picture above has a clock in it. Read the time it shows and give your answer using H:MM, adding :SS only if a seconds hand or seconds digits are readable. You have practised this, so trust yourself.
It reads 3:07
